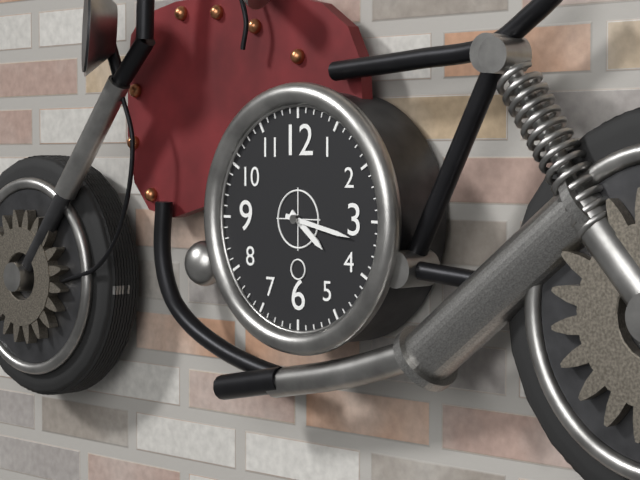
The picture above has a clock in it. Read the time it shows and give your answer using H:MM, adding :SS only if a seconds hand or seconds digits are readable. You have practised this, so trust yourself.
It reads 4:17
